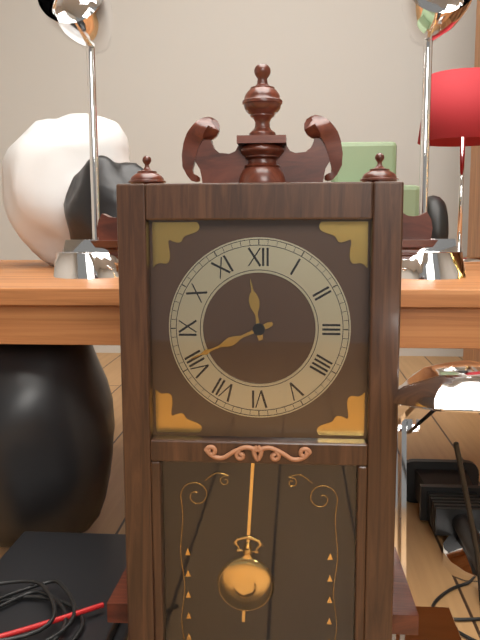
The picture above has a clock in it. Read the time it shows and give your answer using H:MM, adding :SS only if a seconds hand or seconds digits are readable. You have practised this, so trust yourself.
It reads 11:41
